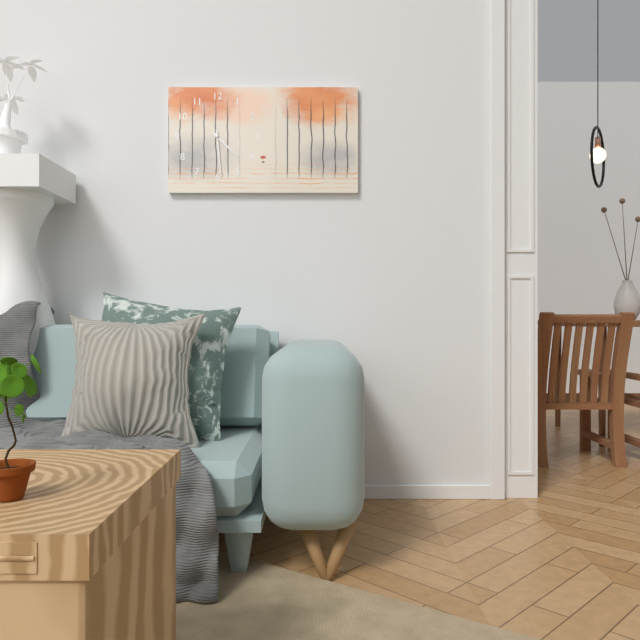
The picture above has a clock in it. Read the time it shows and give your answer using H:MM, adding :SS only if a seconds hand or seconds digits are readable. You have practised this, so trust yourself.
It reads 4:29
